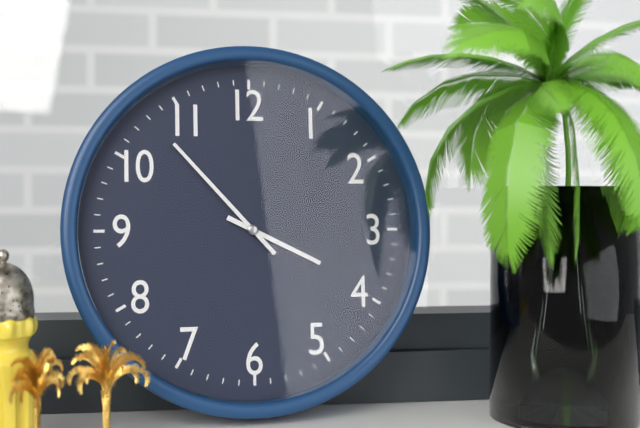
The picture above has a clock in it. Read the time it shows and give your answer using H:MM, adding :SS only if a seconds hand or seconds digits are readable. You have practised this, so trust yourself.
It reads 3:53
